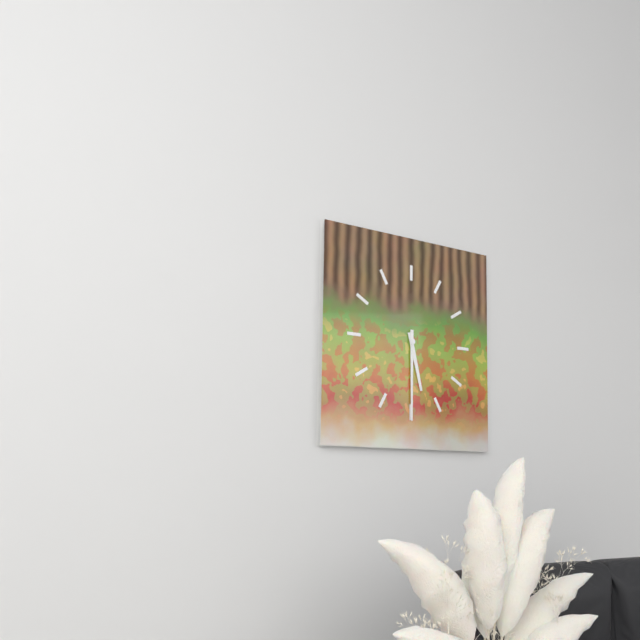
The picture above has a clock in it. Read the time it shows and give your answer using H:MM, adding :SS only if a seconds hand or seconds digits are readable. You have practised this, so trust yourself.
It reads 5:30
